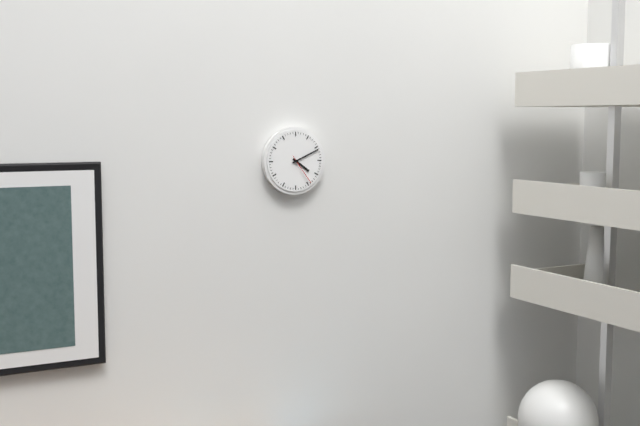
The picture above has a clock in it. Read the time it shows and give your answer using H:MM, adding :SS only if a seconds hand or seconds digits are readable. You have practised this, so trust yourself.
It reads 4:11
